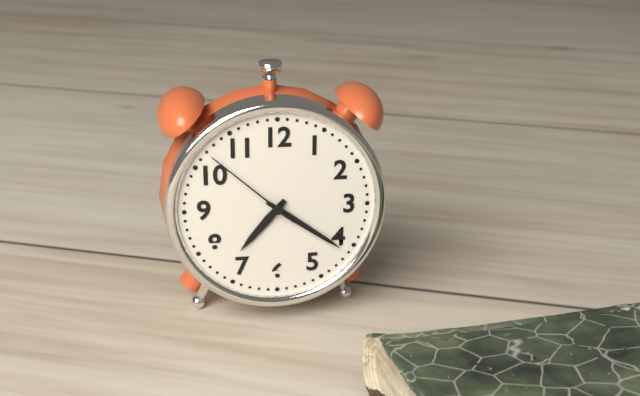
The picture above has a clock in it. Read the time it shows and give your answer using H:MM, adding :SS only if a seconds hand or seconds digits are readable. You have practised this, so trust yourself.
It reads 7:21:52
